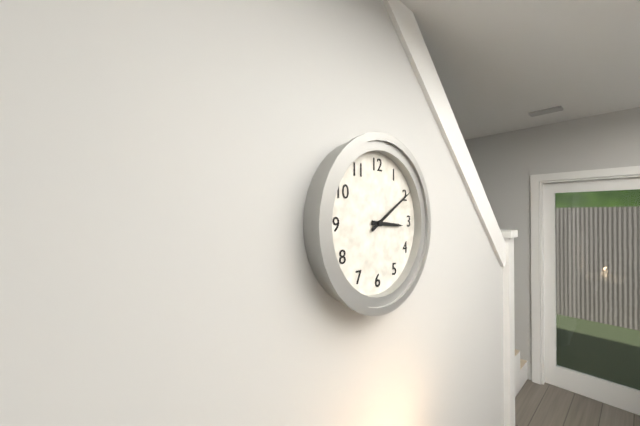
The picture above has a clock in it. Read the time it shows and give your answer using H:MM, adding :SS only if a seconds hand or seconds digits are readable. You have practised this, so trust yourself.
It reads 3:10
